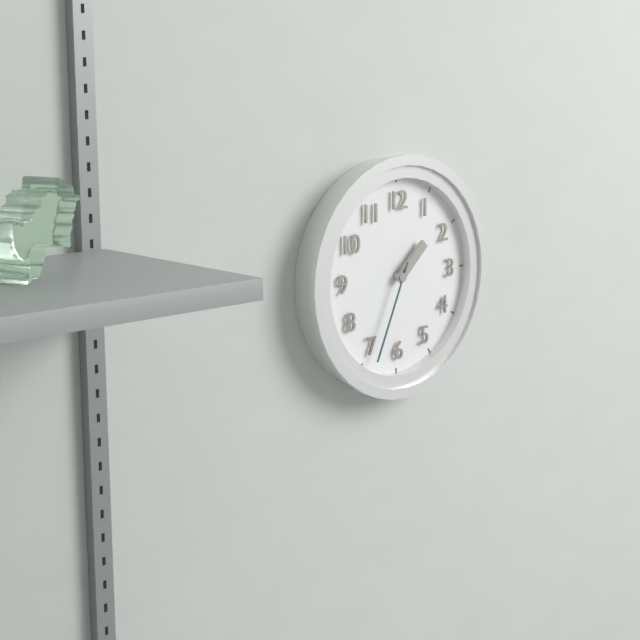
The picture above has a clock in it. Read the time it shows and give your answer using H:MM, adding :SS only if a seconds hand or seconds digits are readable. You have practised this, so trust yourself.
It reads 1:34
